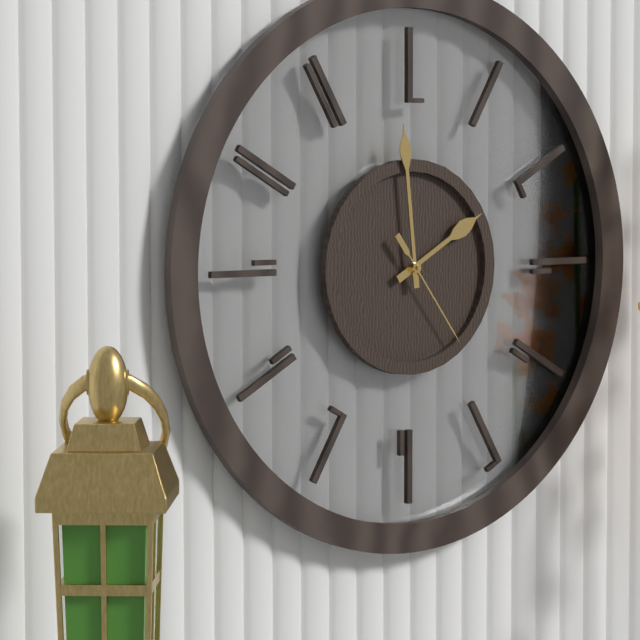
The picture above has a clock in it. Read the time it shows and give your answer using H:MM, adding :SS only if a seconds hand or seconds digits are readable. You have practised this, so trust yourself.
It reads 1:59:24
